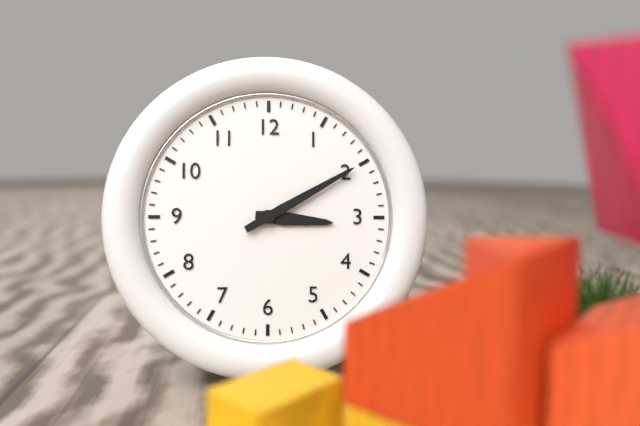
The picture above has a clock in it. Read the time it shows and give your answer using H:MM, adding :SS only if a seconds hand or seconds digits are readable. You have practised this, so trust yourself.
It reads 3:10
